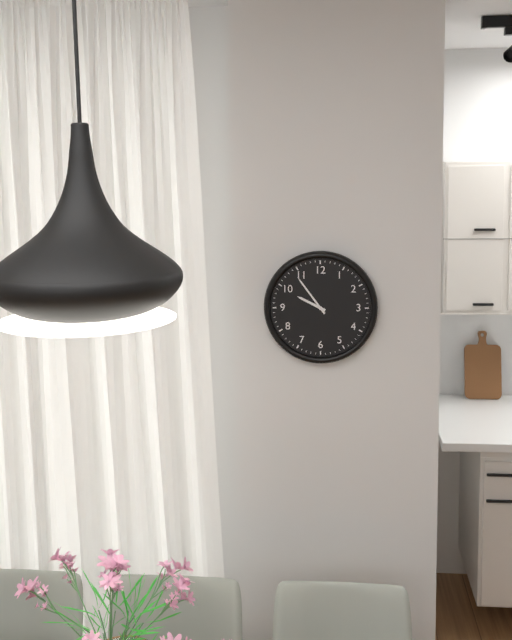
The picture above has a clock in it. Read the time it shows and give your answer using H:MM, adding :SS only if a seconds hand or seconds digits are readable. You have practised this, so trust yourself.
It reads 9:54
